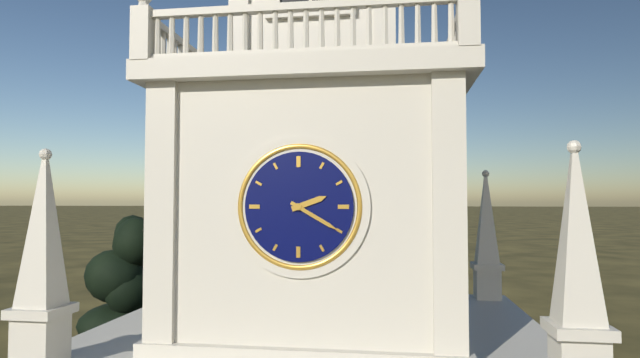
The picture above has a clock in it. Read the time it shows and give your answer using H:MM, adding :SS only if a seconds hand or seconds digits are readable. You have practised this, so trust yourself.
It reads 2:20
